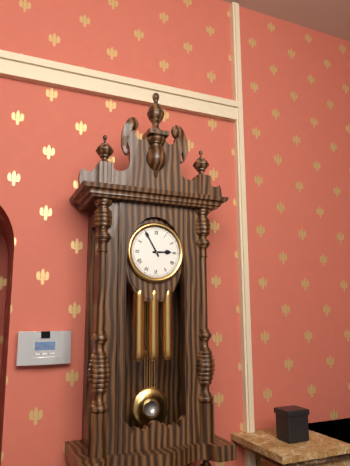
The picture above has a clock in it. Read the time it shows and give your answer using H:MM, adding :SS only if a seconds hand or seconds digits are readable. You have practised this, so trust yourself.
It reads 2:55
